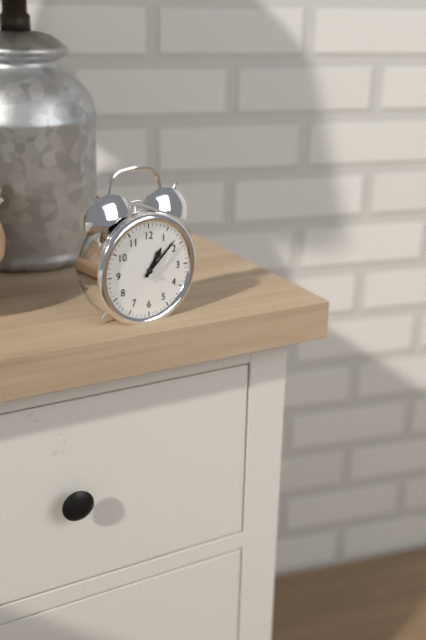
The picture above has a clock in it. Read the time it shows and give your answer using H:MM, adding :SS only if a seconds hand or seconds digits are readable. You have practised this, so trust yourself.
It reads 1:08
